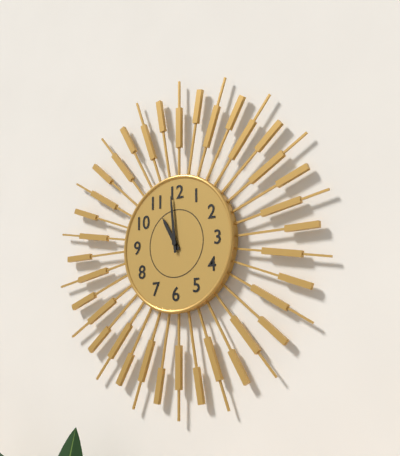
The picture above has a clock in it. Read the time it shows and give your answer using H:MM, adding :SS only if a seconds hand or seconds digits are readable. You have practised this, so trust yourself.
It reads 10:59
